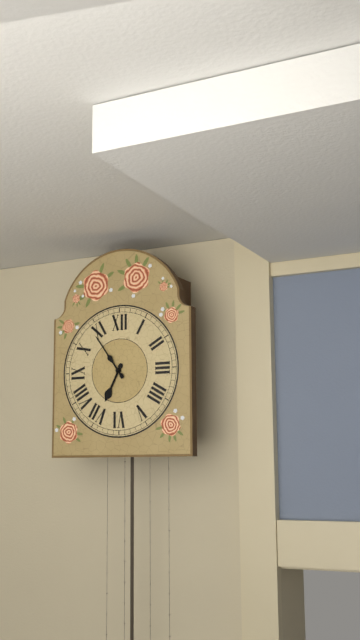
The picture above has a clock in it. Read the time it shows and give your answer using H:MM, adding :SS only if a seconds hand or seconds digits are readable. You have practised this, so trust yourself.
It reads 6:54
